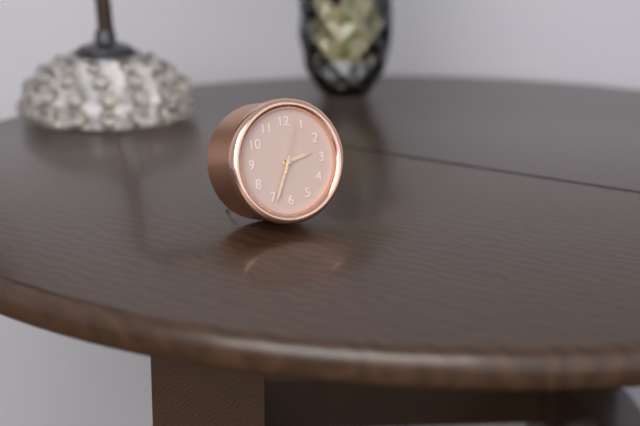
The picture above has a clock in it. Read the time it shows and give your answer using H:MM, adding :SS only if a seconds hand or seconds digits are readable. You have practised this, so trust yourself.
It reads 2:34:03
